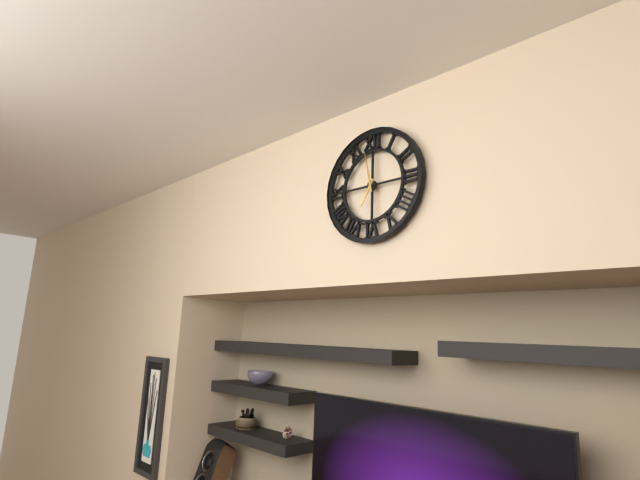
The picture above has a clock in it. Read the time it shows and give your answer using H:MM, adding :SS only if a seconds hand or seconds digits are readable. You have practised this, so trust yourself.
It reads 6:58
